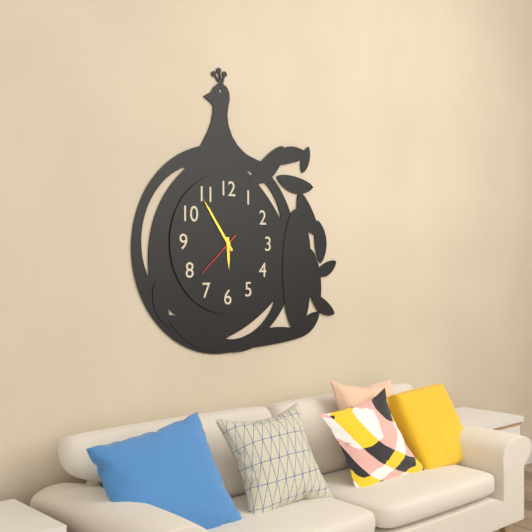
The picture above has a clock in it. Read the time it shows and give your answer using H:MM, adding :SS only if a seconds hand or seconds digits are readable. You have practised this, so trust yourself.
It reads 5:54
